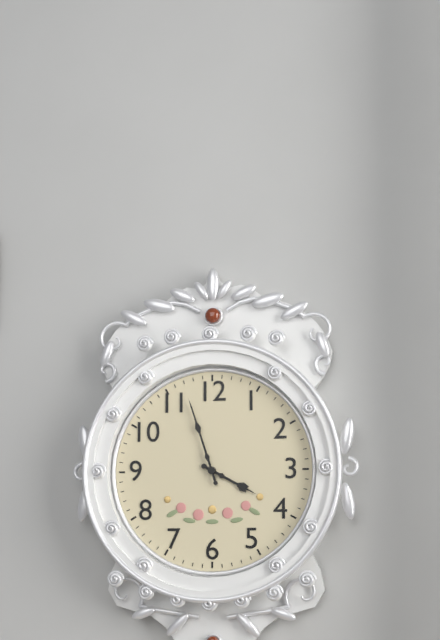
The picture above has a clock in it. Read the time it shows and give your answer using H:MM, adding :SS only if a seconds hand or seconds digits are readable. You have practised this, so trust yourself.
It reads 3:57
